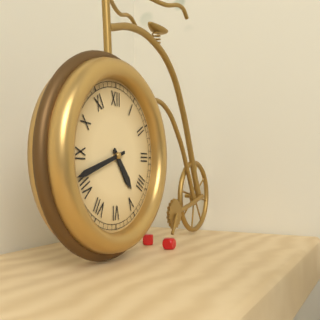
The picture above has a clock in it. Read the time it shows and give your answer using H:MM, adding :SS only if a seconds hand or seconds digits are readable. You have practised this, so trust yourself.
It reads 4:42
